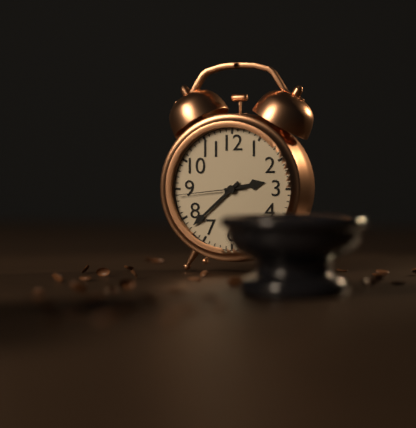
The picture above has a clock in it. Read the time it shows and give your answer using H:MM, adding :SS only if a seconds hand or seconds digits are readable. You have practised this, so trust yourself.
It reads 2:38:44
